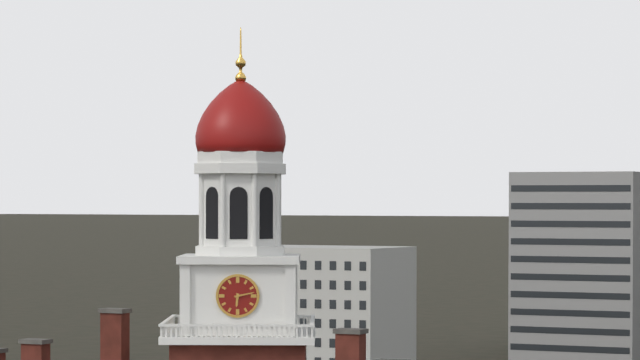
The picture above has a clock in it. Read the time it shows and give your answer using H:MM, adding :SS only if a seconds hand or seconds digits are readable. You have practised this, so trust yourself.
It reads 6:13
